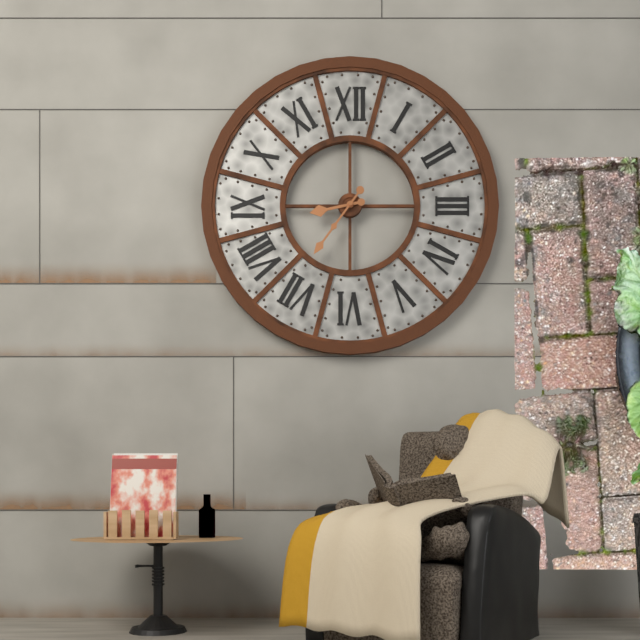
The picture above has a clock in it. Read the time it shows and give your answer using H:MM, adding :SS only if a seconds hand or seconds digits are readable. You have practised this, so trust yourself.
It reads 8:36
